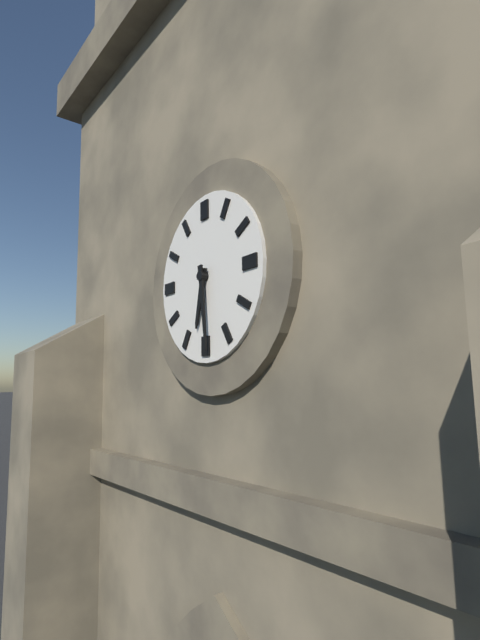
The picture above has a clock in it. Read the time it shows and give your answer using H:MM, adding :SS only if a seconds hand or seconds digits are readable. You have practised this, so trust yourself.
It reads 6:29
